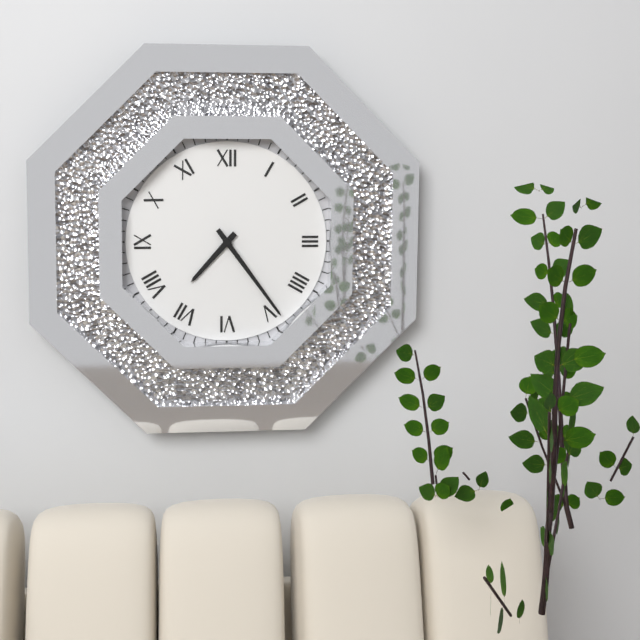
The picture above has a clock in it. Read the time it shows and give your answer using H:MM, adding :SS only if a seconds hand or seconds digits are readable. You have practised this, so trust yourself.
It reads 7:24
